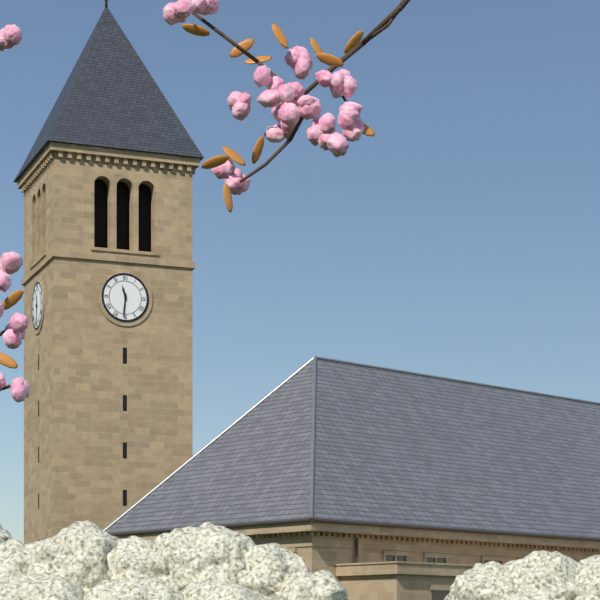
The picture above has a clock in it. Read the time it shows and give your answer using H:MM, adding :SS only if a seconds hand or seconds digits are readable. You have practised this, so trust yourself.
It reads 11:31
